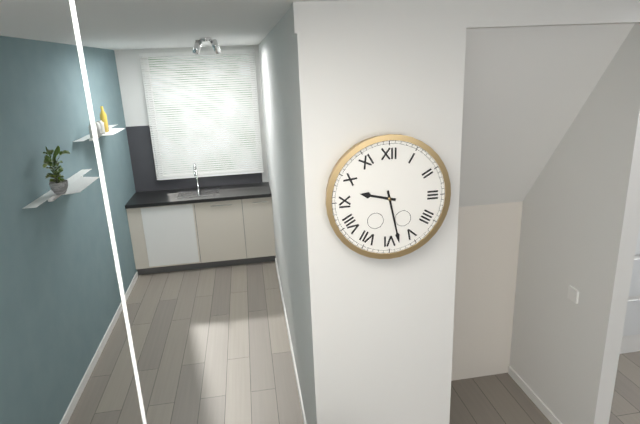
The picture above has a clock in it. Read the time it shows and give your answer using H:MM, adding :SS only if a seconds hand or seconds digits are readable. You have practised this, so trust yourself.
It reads 9:28
